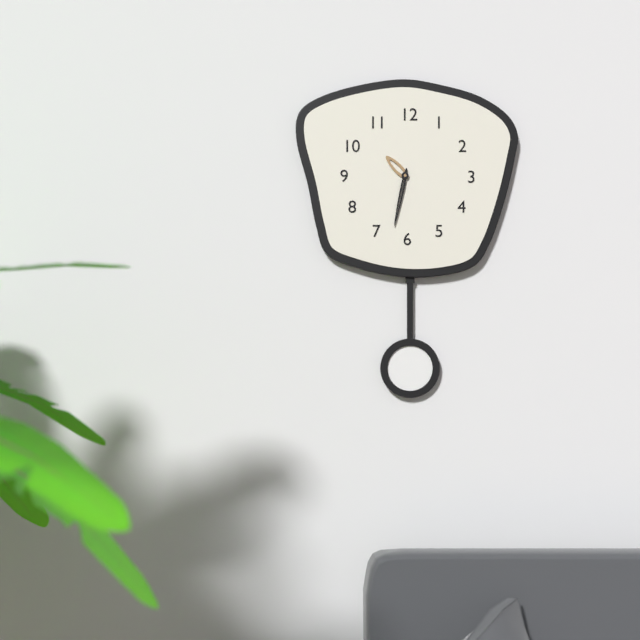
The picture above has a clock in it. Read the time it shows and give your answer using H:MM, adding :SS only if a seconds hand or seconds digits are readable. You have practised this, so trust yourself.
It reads 10:32
